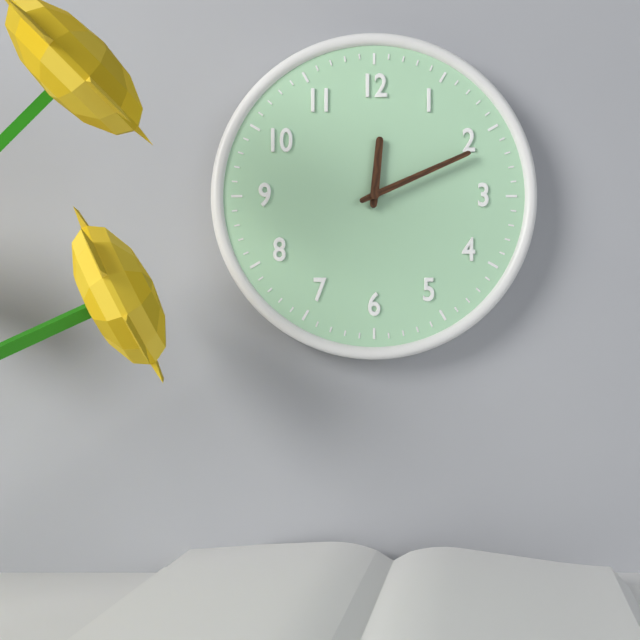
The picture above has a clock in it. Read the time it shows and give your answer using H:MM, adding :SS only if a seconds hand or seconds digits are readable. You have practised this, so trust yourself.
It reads 12:11
